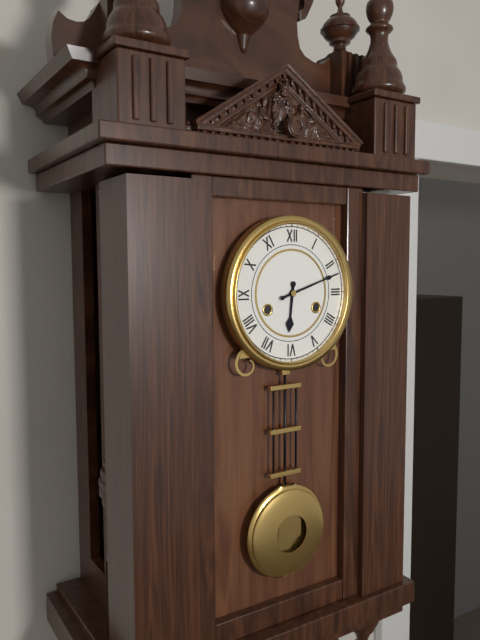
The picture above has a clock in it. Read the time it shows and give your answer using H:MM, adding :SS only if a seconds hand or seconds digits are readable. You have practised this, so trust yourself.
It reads 6:12
